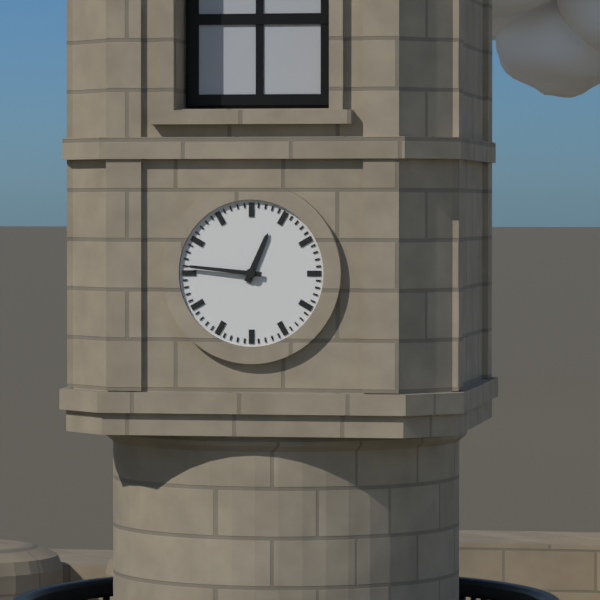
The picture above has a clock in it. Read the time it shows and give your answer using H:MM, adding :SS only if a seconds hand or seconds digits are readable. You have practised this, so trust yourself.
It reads 12:46
